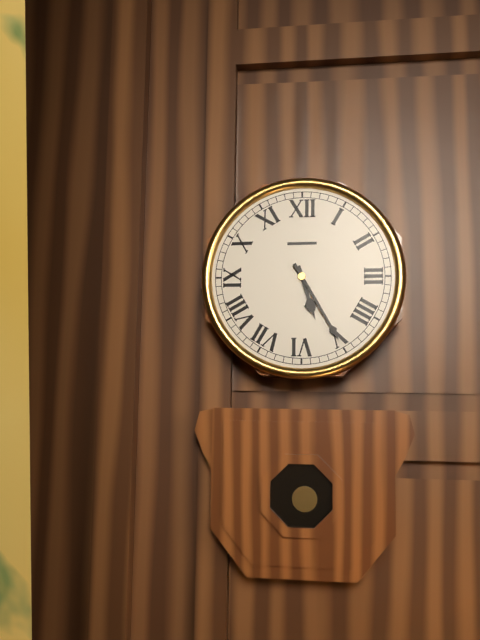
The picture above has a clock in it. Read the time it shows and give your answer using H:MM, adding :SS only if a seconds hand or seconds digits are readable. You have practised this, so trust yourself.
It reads 5:25
